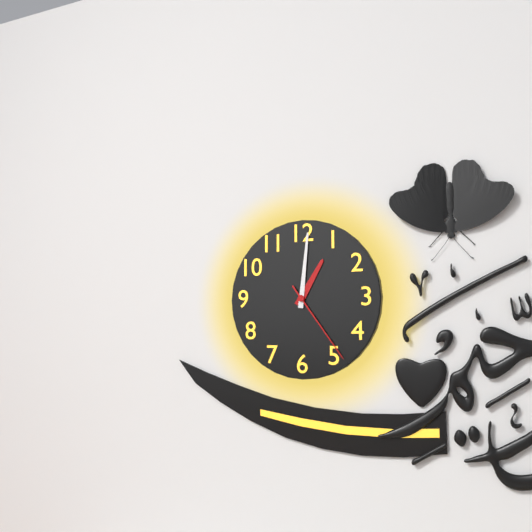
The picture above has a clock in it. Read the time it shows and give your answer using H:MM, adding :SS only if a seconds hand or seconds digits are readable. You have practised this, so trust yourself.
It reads 1:01:24
